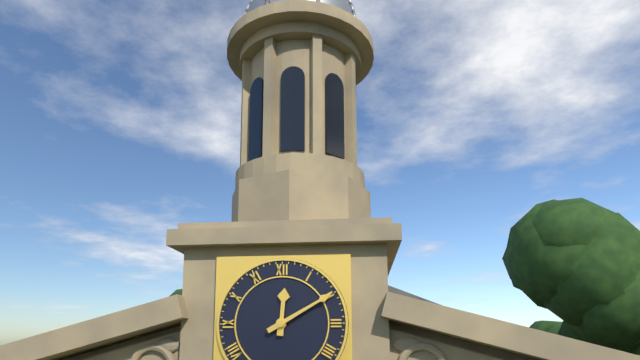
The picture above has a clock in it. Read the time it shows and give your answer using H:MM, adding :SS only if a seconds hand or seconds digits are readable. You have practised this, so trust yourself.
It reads 12:10
